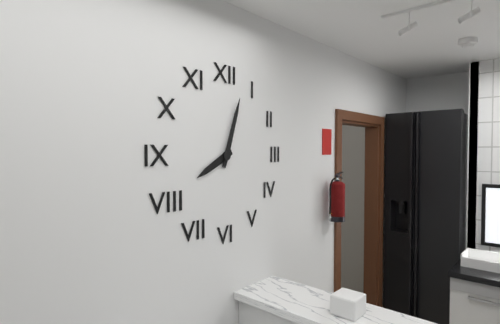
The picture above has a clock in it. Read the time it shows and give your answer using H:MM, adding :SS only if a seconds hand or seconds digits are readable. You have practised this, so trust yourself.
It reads 8:03
